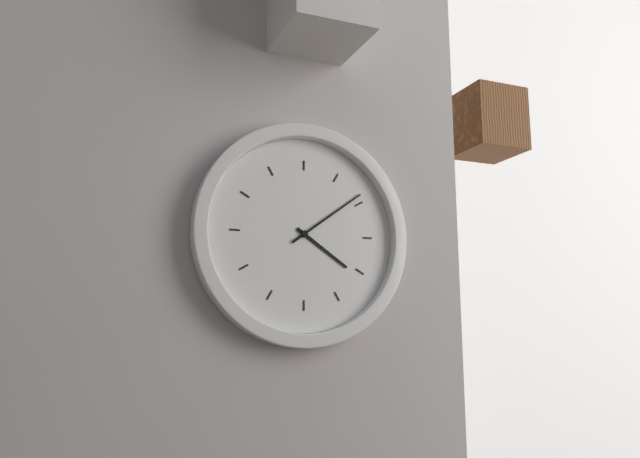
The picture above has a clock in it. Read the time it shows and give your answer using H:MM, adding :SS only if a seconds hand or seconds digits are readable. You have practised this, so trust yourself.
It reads 4:09
